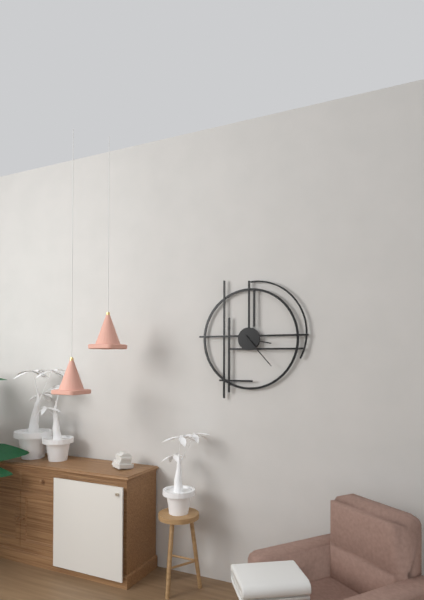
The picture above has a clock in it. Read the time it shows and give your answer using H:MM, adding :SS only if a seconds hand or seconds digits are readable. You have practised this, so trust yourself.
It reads 3:23
